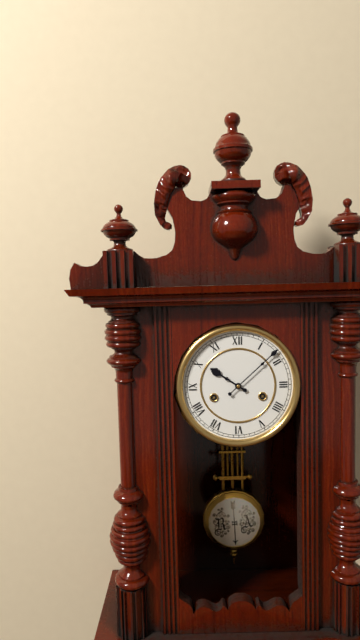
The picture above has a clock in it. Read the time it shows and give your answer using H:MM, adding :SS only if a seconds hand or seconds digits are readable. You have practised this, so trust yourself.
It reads 10:08
